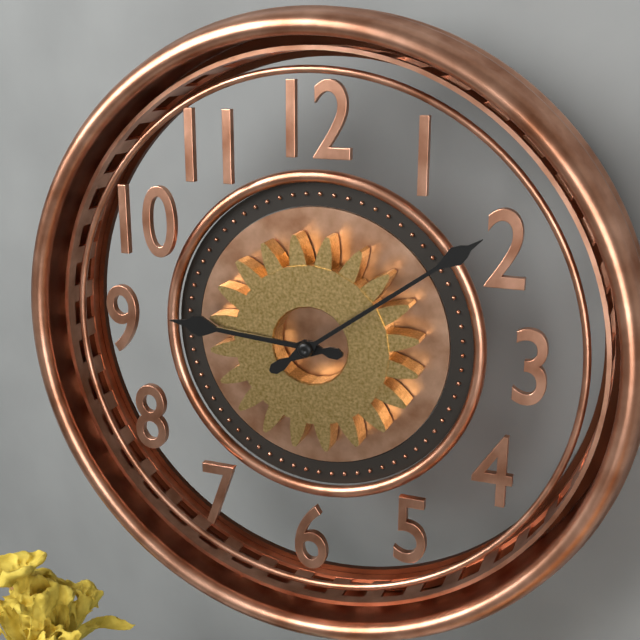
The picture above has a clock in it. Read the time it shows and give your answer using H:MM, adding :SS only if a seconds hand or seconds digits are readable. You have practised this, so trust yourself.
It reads 9:09
